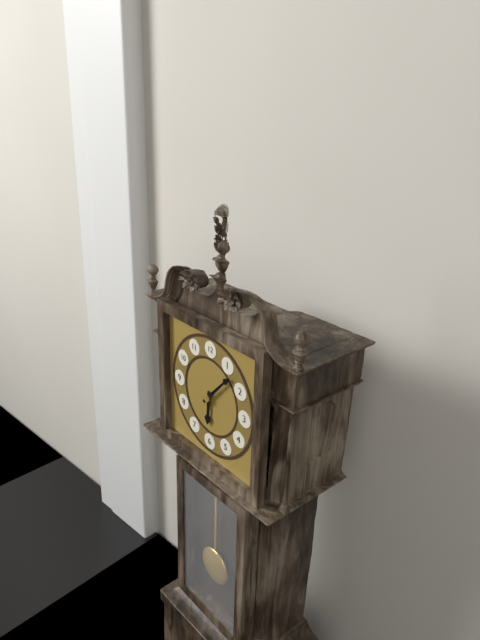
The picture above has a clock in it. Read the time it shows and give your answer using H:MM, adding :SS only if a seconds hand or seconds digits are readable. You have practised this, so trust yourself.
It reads 6:07
